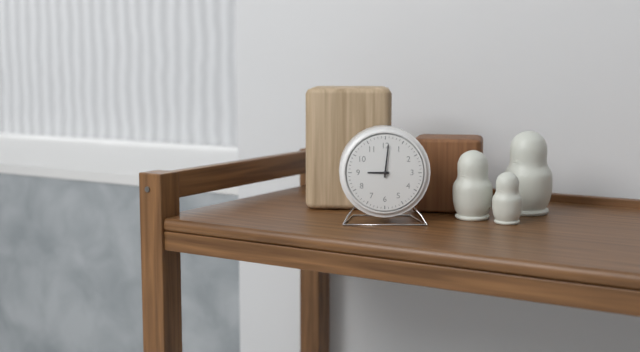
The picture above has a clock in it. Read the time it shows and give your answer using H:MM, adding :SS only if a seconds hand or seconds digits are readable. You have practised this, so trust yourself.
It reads 9:01
